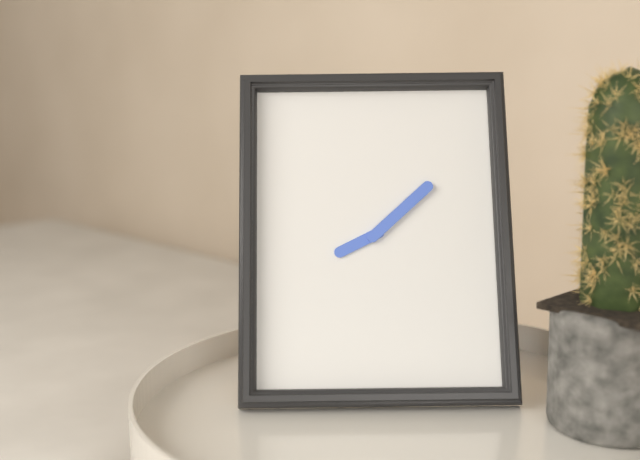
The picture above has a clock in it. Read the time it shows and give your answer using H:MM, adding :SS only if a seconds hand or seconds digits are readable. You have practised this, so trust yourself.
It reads 8:08
